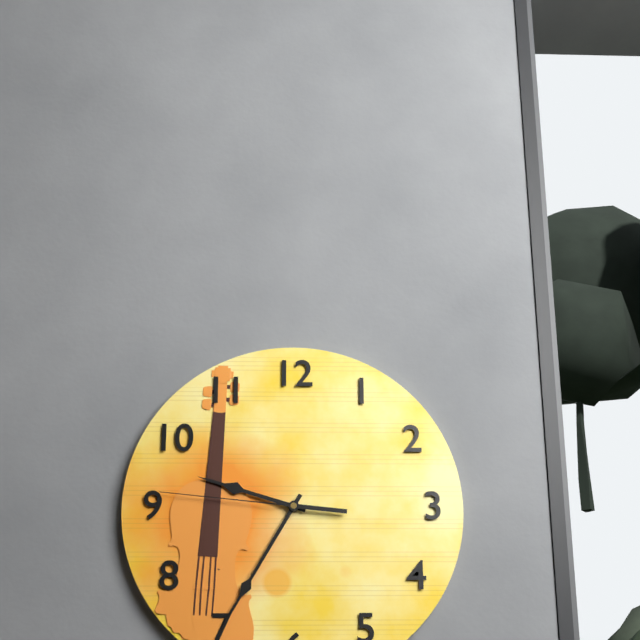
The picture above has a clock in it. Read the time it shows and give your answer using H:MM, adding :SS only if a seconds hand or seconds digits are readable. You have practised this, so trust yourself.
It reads 9:35:46
